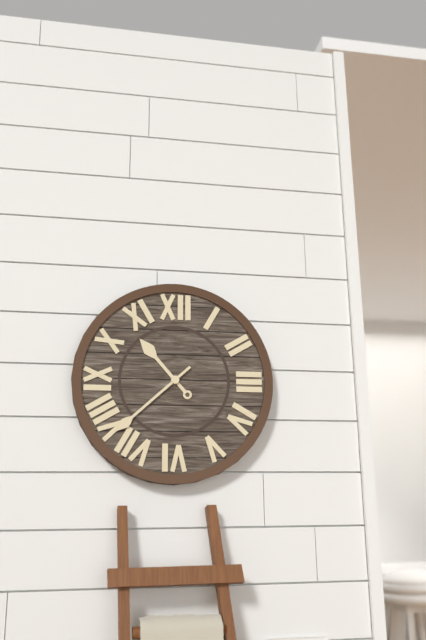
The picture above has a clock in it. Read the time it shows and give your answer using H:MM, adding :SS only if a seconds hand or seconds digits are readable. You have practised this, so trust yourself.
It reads 10:38
